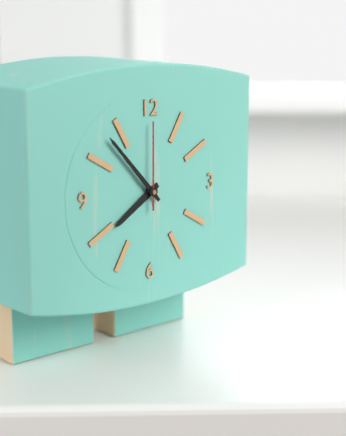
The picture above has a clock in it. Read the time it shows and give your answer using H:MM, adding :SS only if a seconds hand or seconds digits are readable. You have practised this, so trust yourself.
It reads 7:53:00
